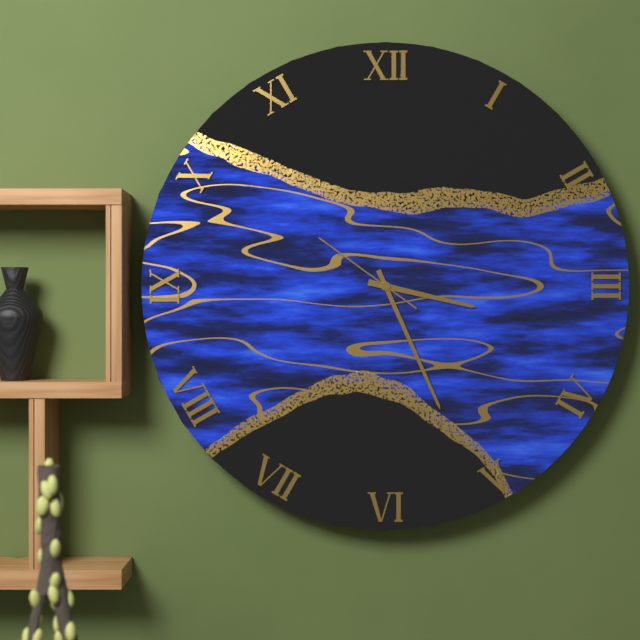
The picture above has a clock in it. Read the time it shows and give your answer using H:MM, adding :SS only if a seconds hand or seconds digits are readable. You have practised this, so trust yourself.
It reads 3:26:51
